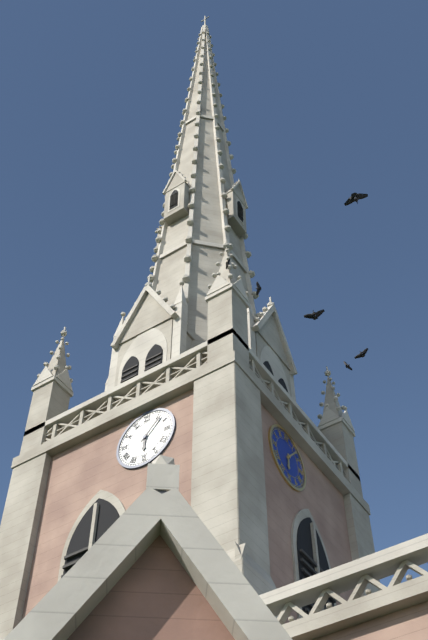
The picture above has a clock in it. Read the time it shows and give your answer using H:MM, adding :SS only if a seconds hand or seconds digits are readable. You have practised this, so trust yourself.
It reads 6:07
